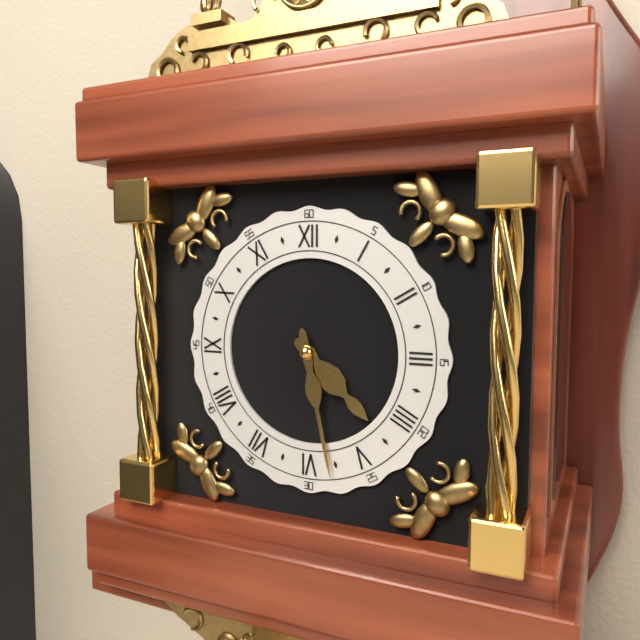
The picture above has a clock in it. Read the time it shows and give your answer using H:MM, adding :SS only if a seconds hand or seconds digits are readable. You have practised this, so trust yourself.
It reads 4:28
